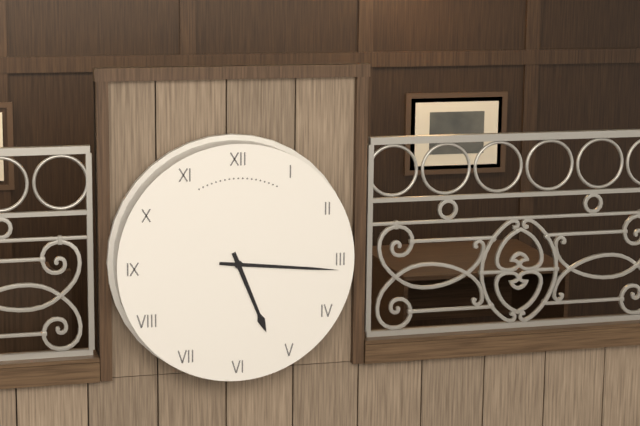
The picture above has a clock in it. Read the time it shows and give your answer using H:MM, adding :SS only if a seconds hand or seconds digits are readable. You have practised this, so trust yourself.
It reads 5:16
